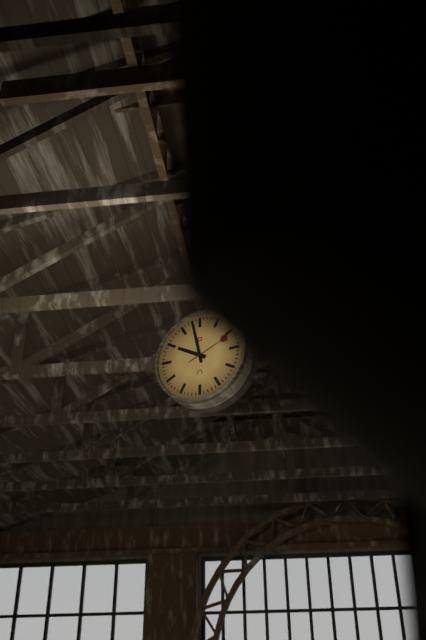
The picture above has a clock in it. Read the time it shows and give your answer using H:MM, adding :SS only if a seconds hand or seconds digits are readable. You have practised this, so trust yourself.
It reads 9:58
